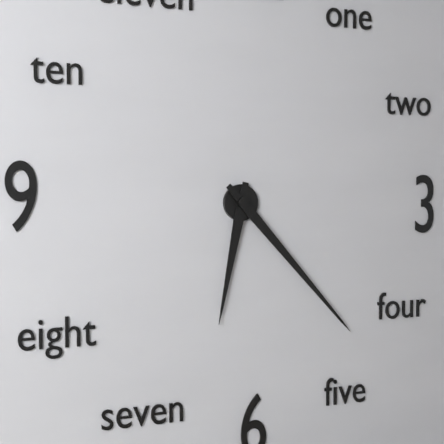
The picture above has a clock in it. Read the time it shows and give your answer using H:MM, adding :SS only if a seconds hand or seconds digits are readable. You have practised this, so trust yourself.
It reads 6:23
